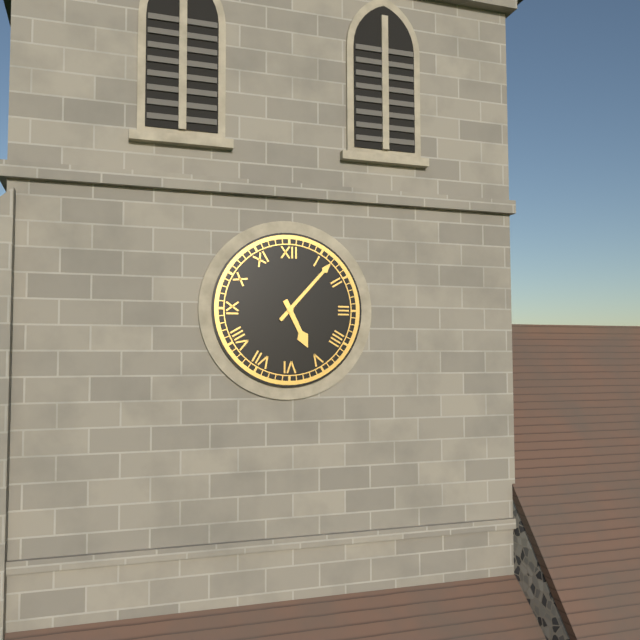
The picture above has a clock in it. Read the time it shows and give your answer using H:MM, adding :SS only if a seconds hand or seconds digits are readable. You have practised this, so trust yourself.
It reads 5:07
